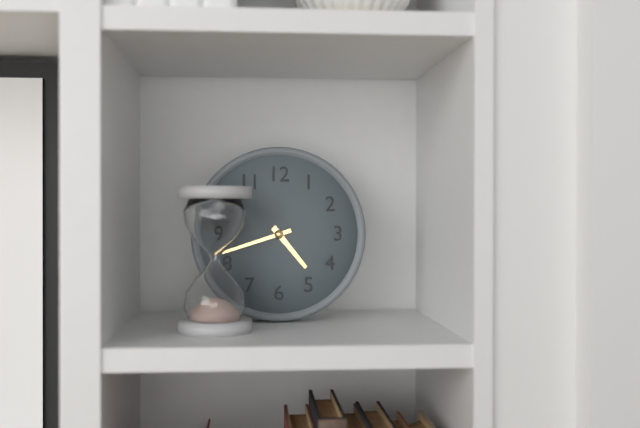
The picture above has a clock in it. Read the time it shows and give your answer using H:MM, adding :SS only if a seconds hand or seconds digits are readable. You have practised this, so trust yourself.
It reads 4:42
